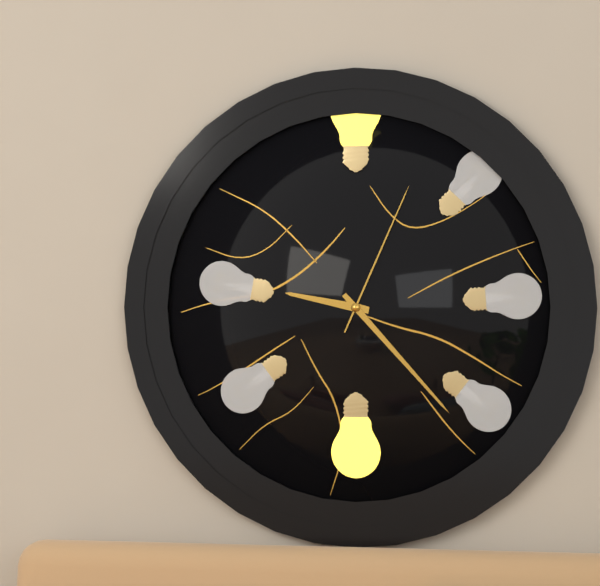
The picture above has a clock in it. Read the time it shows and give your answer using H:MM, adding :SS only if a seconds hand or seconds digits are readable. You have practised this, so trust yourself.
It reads 9:23:04
